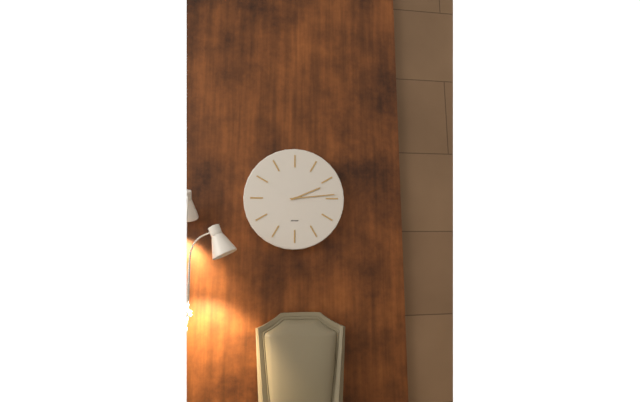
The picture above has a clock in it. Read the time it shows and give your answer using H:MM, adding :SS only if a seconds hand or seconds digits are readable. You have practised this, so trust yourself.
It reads 2:14
